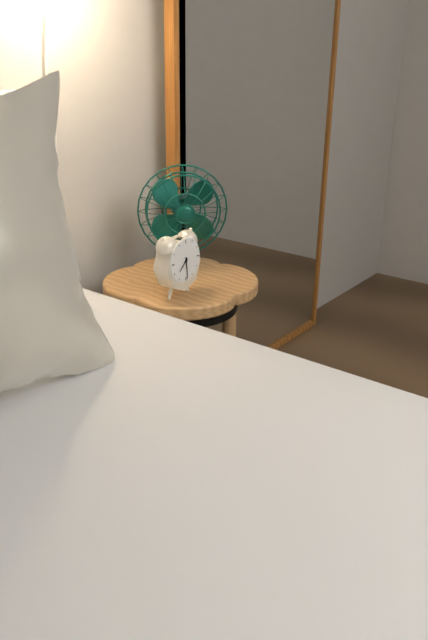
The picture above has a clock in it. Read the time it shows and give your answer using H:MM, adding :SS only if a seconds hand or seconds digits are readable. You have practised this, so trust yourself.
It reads 7:29
